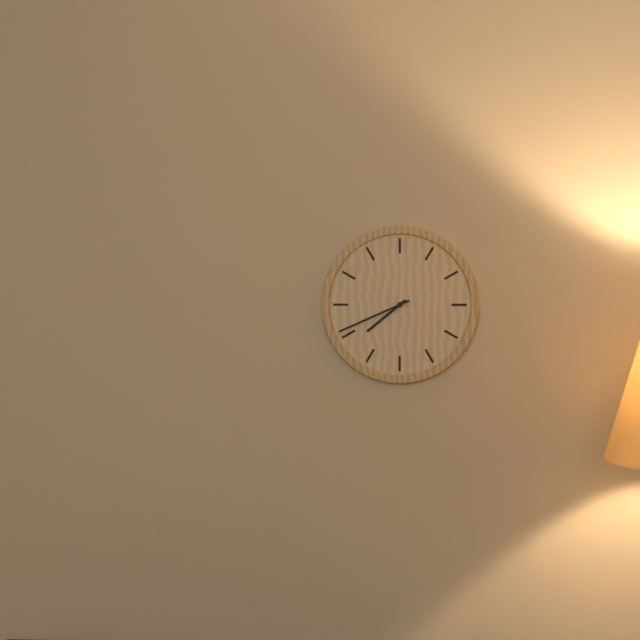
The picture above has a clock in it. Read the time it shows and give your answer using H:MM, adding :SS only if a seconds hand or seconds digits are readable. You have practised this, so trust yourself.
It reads 7:41
